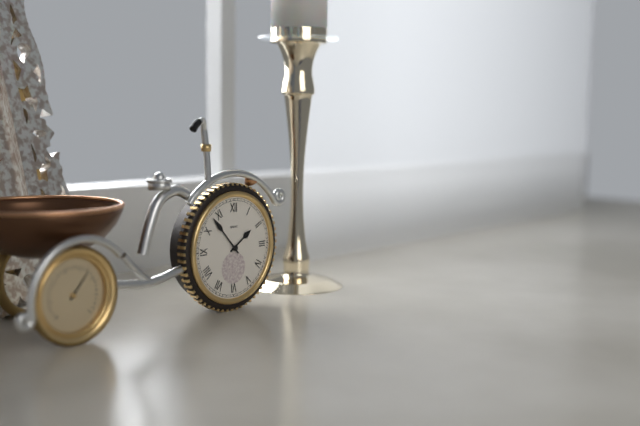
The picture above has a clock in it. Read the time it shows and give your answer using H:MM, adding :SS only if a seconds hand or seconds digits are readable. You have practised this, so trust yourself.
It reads 1:53
